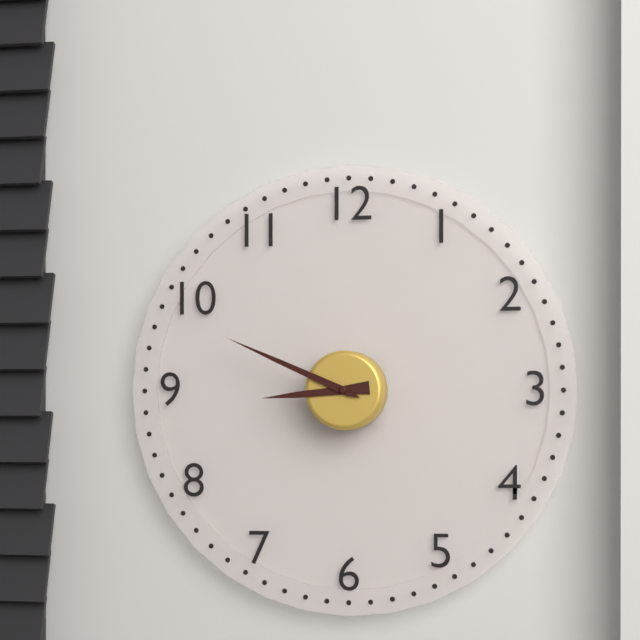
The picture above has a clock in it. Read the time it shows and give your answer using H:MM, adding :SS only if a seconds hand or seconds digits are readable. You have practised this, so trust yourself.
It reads 8:49
